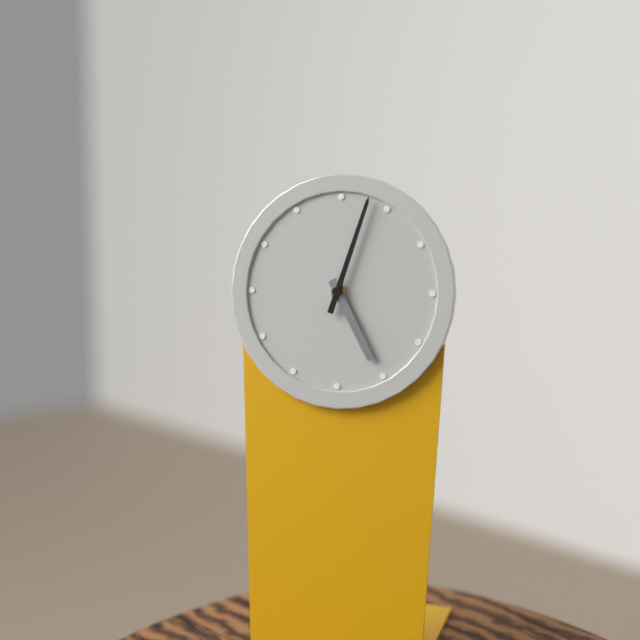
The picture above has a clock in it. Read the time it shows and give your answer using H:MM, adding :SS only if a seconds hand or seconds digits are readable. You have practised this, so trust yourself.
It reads 5:03
